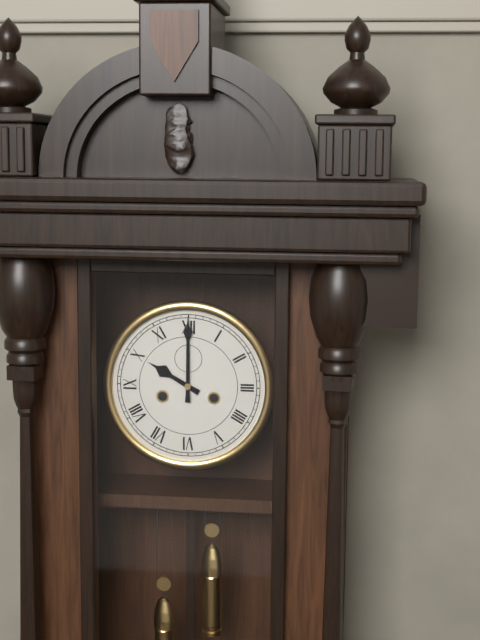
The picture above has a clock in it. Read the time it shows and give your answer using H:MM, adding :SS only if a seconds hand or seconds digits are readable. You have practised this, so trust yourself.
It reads 10:00
